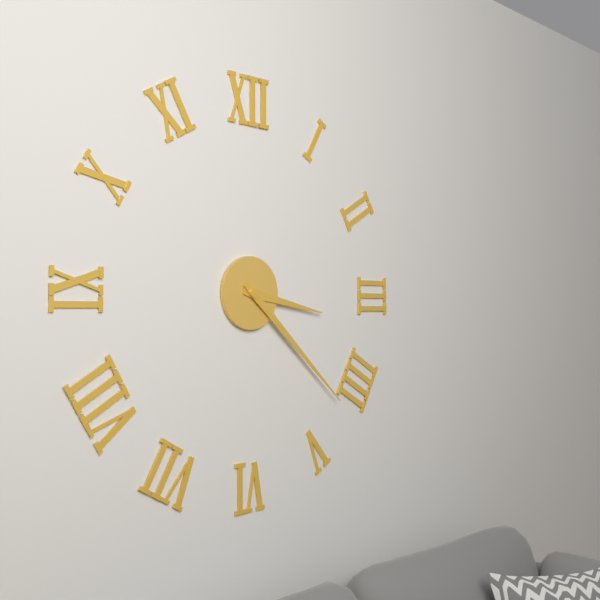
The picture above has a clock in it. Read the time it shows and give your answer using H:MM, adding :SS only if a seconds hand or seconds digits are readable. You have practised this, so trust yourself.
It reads 3:22
